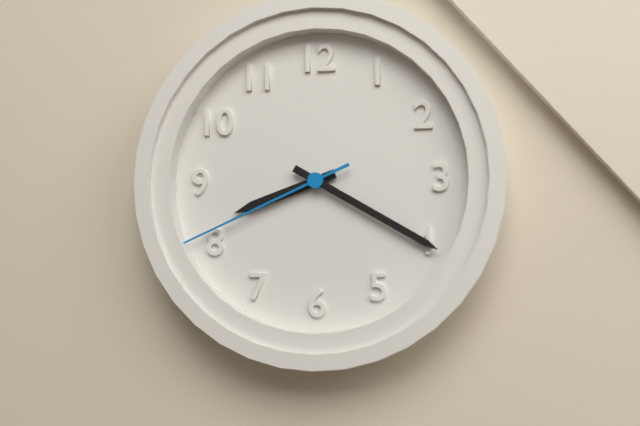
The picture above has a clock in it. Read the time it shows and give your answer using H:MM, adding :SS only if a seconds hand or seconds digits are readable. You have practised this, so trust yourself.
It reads 8:20:41
